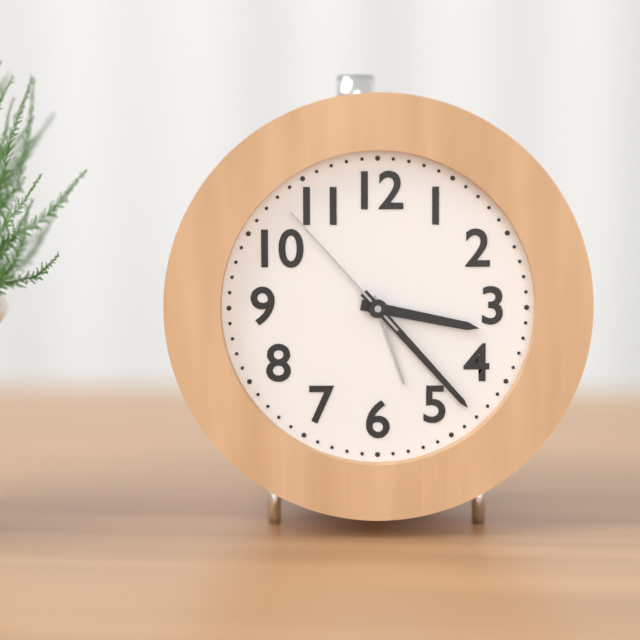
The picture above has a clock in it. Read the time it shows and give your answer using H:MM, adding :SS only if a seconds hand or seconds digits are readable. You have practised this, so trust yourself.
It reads 3:23:53
